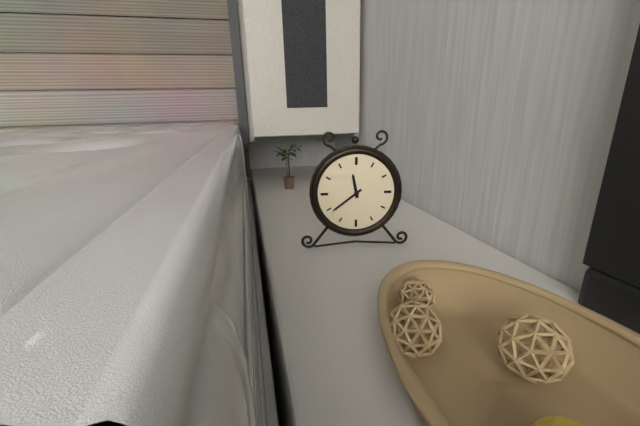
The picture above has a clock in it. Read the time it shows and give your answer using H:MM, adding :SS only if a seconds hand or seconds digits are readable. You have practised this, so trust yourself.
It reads 11:39
